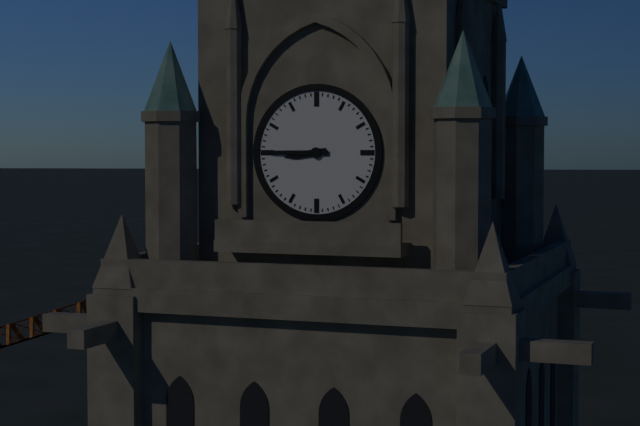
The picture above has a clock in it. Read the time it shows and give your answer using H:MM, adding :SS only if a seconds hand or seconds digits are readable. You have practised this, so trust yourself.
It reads 8:45
